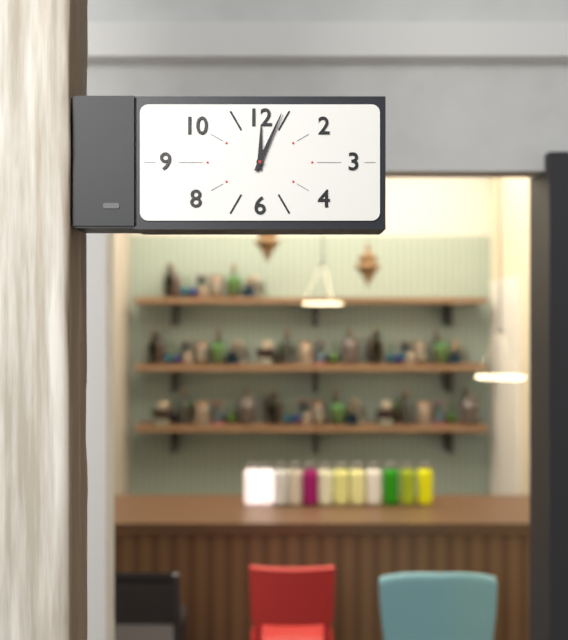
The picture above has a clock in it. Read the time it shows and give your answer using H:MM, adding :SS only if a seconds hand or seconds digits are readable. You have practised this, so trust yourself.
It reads 12:04
